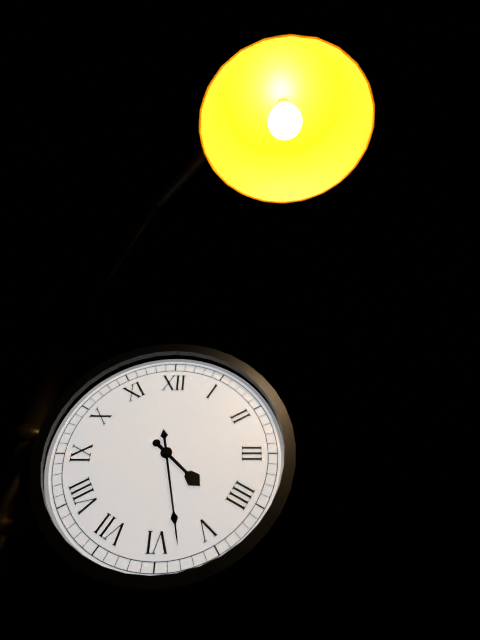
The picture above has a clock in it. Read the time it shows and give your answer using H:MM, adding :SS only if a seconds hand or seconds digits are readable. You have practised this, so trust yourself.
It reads 4:28
